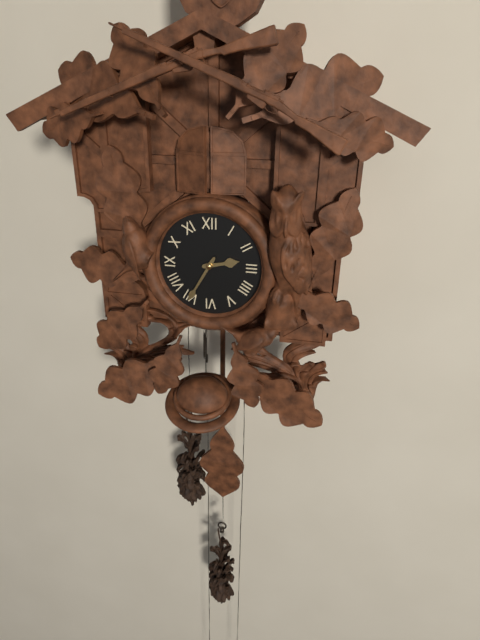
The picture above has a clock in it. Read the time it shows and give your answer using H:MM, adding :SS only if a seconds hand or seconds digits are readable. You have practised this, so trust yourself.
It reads 2:35
